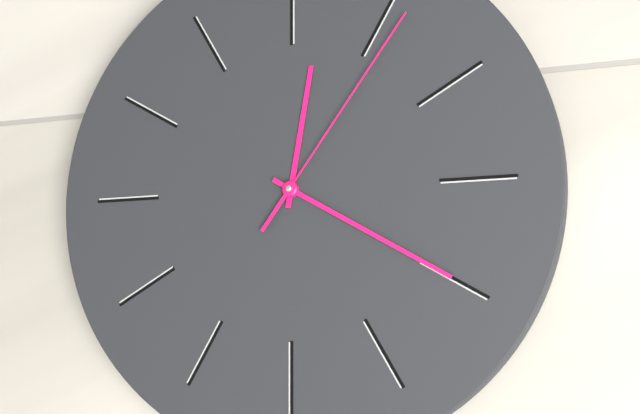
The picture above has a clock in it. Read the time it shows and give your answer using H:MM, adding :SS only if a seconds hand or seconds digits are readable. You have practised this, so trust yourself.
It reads 12:20:06
